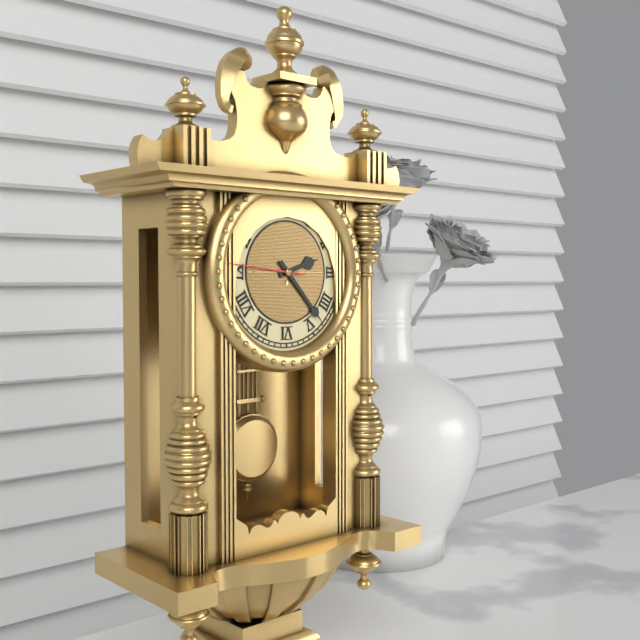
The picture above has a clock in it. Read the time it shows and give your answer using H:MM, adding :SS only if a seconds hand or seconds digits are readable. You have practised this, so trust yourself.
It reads 2:23:46
